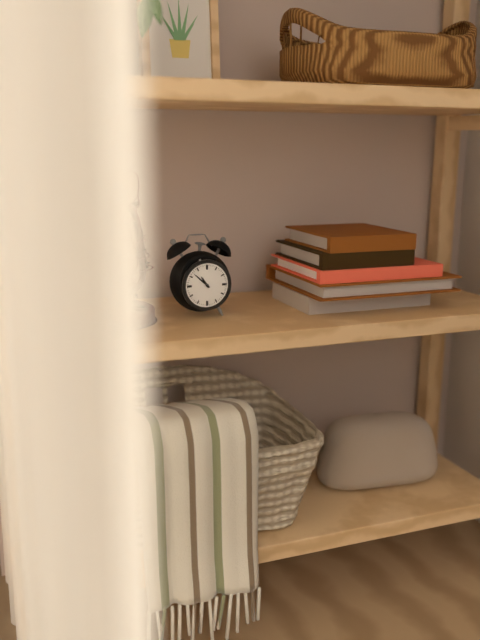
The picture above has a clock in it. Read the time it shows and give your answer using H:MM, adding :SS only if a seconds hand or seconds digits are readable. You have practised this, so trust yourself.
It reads 10:52
